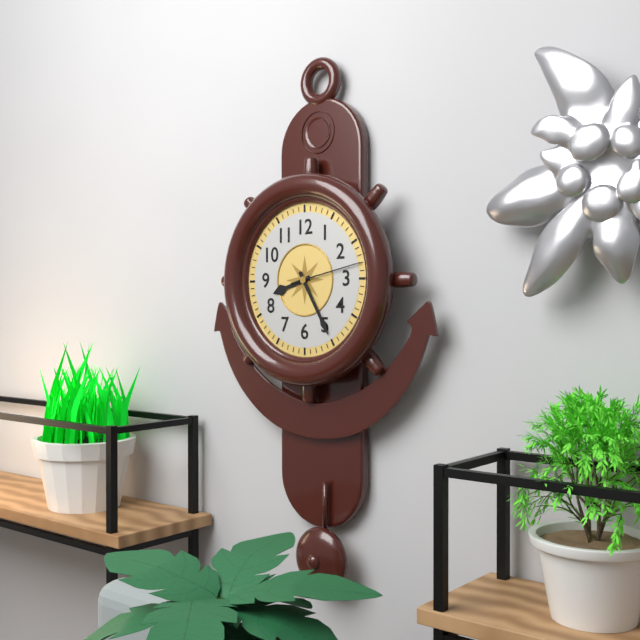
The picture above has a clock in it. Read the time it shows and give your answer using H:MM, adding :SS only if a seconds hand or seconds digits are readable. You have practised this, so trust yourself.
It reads 8:25:13
